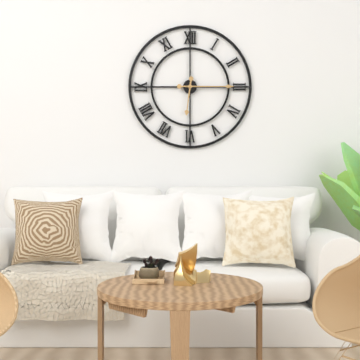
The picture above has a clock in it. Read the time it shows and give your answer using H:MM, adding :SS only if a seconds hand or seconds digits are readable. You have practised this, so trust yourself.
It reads 6:15
